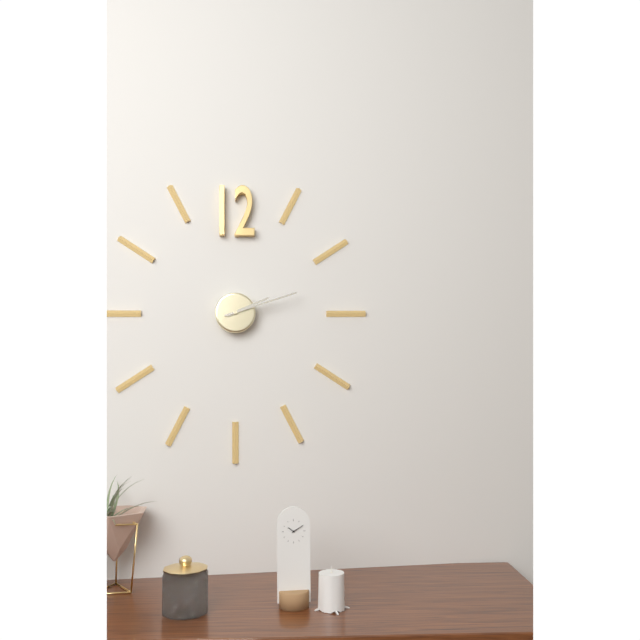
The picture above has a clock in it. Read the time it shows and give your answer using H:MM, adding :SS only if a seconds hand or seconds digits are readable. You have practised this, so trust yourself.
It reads 2:12
